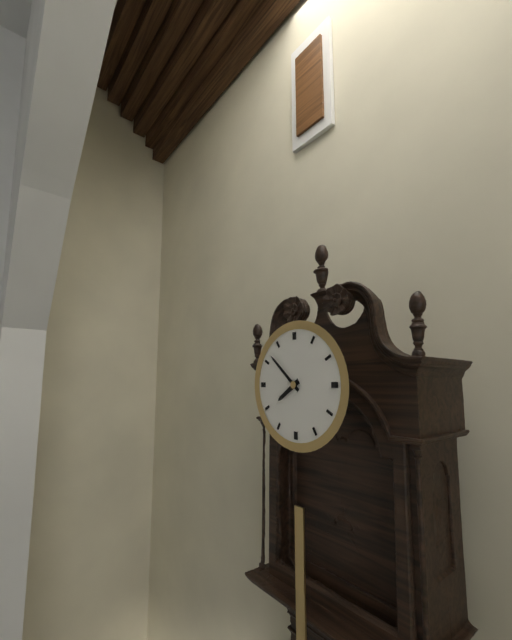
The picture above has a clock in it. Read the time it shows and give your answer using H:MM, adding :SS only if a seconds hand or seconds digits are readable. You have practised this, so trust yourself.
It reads 7:52
